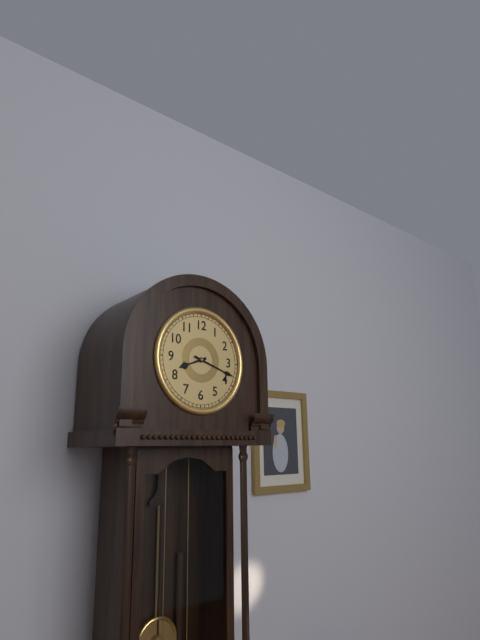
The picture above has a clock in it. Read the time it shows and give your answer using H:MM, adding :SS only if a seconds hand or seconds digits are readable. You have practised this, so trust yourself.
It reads 8:18
